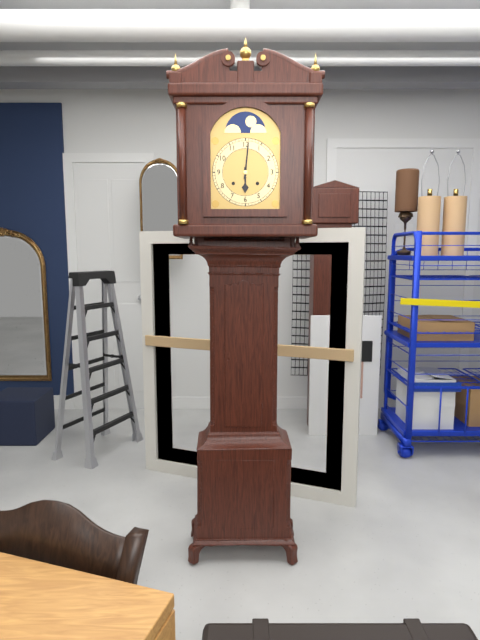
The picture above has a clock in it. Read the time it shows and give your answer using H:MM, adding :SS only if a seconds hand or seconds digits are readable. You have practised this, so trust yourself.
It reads 6:01
